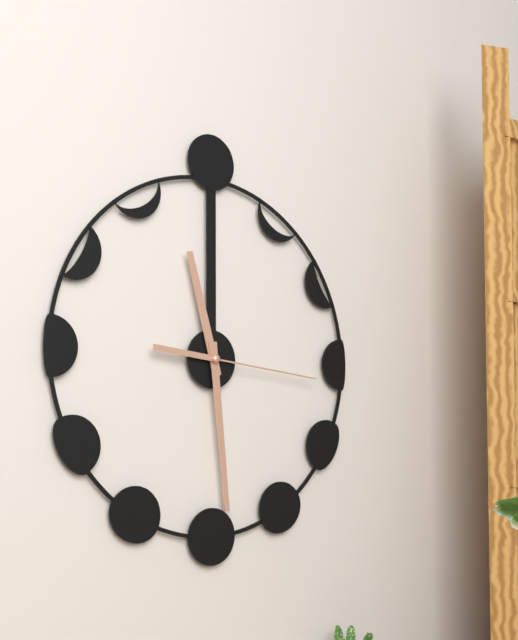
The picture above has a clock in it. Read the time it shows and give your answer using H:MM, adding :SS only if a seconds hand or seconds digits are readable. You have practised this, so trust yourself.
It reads 11:29:16
